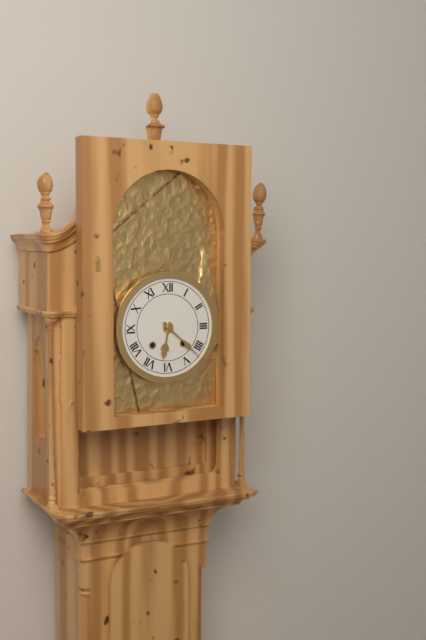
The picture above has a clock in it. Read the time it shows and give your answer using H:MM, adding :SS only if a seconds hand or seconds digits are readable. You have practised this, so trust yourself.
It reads 6:22
